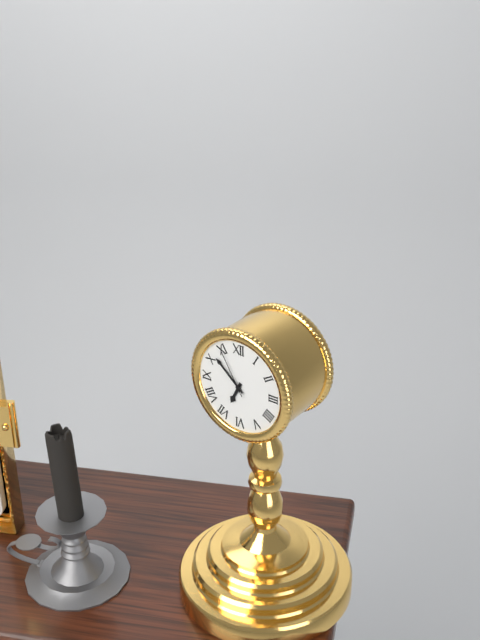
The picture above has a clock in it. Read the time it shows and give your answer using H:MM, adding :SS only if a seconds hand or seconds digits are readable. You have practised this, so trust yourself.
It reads 6:52:55
